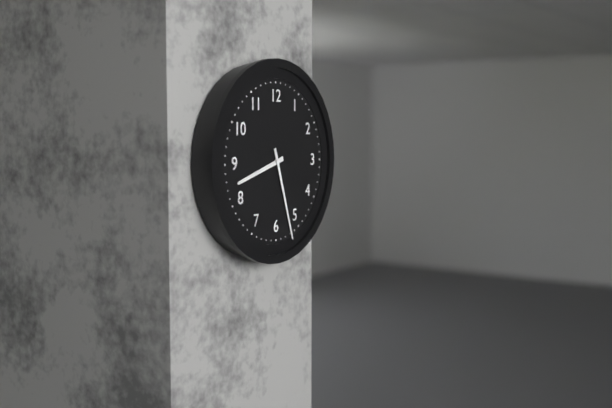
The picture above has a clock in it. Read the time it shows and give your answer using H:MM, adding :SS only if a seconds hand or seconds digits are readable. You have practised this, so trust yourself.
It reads 8:27
